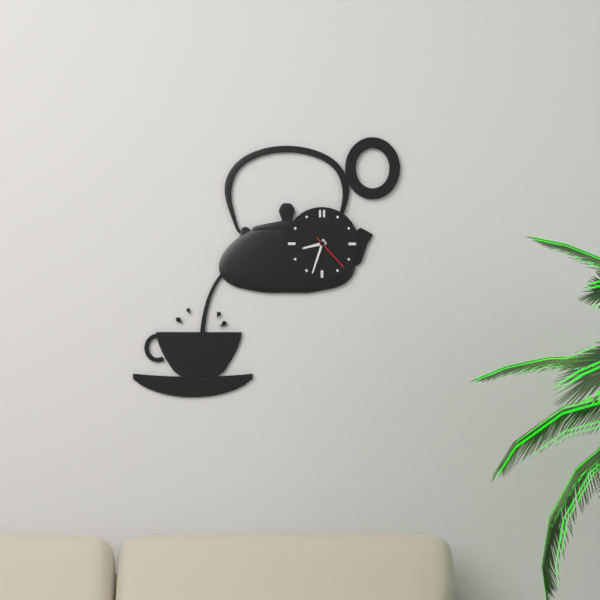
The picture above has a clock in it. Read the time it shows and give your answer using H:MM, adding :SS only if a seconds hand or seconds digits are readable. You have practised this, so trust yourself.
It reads 8:33
